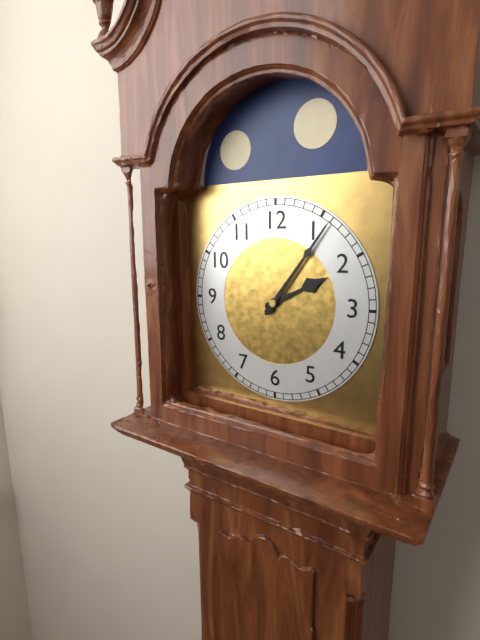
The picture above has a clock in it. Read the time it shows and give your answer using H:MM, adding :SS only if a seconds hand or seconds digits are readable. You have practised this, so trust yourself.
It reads 2:06
